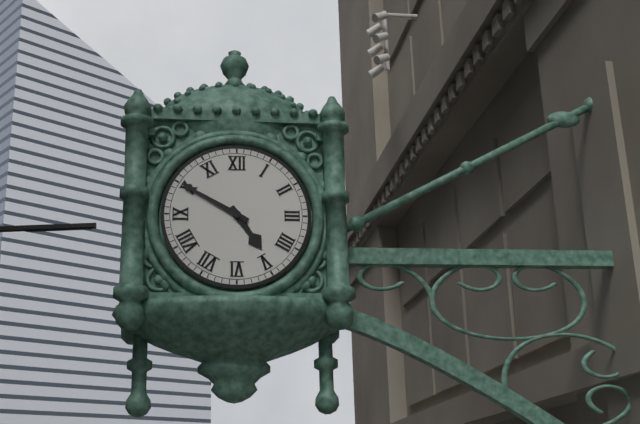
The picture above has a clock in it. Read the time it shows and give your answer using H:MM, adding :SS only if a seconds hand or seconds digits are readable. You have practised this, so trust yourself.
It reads 4:50
